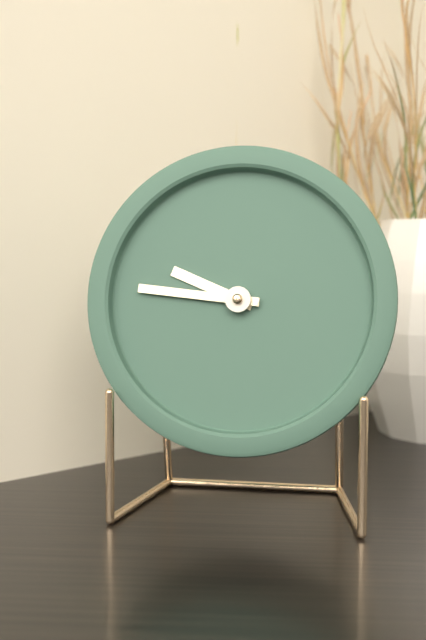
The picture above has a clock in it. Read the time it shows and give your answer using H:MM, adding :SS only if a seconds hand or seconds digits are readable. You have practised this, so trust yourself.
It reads 9:46
